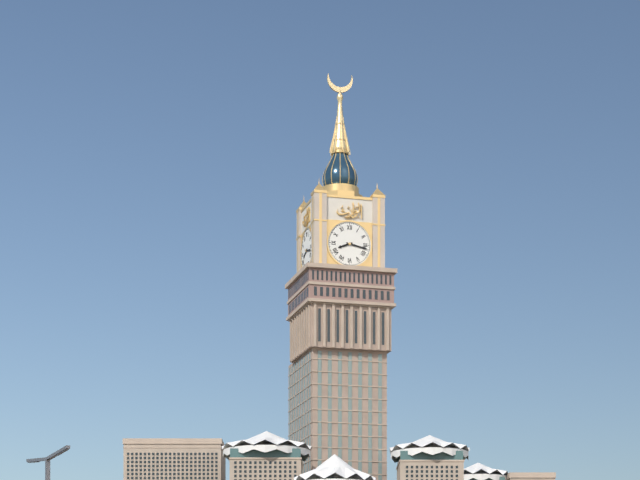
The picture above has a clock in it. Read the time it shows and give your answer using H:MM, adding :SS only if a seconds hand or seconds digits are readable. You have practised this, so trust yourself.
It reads 8:17
